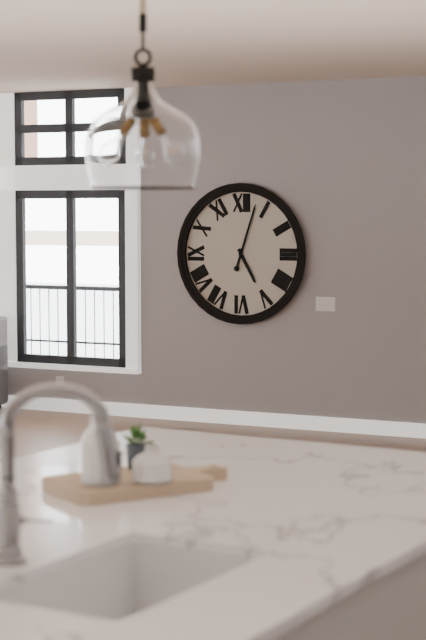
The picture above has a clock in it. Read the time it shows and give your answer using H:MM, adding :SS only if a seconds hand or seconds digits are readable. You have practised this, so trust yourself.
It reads 5:03
